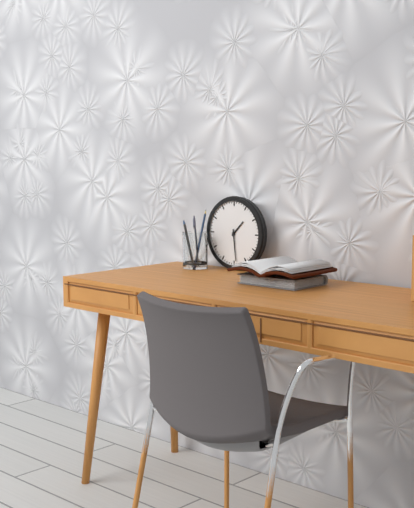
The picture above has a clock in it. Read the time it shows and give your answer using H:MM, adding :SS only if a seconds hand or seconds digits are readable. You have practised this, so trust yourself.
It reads 1:29
